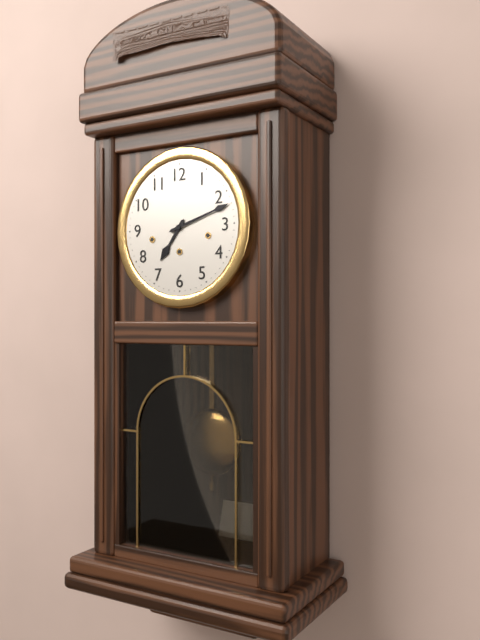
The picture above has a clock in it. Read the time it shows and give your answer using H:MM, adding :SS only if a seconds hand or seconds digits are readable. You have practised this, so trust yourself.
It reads 7:12
